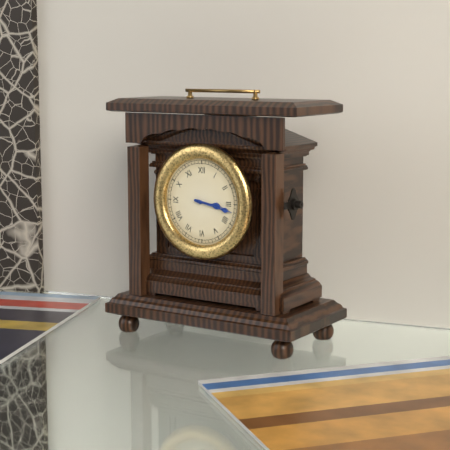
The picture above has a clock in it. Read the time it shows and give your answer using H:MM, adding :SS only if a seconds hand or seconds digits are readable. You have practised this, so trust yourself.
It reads 3:17
